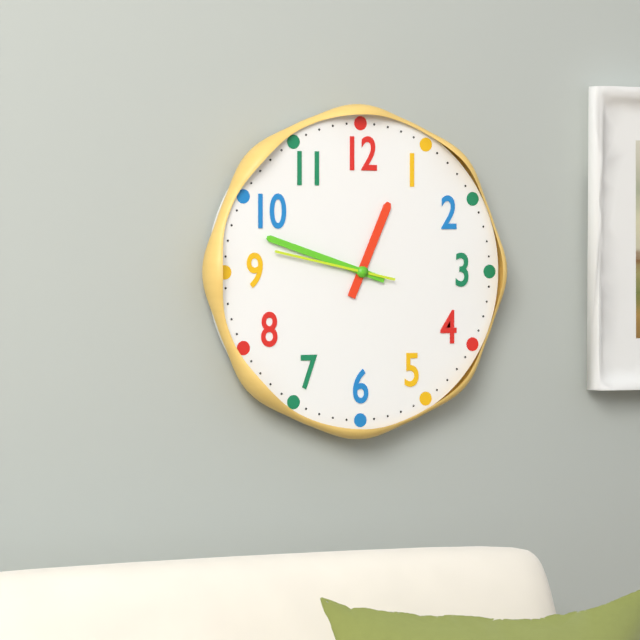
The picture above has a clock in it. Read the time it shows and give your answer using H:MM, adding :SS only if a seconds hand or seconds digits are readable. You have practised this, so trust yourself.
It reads 12:48:47
